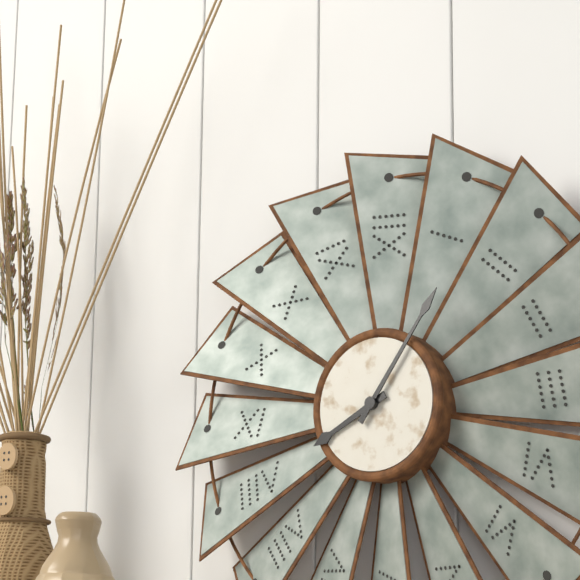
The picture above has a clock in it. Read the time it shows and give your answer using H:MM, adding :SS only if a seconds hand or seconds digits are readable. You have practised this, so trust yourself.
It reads 8:06
